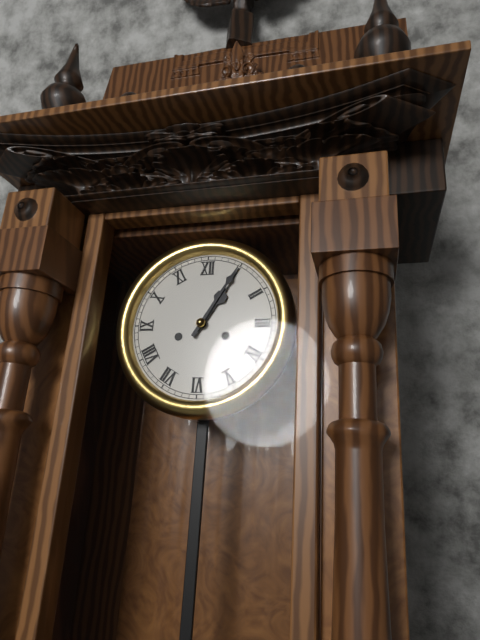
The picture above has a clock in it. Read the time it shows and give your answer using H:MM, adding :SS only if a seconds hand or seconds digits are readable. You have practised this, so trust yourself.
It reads 1:05
